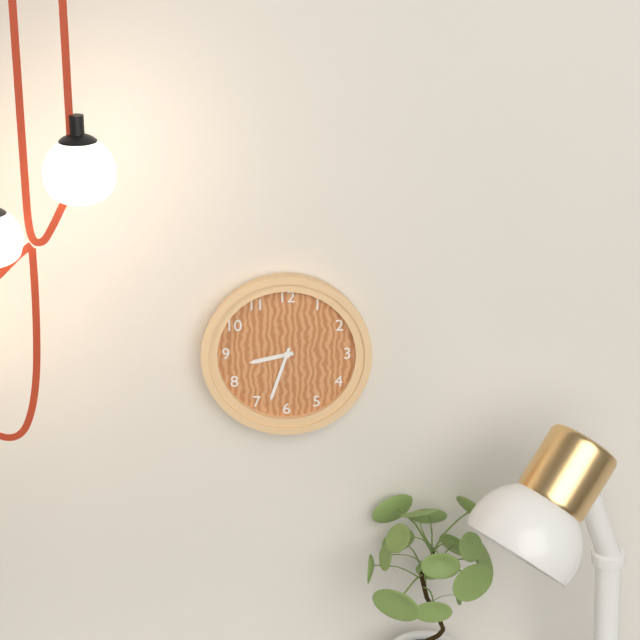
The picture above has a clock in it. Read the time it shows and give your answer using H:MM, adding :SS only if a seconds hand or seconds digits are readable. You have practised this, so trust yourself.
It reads 8:33
